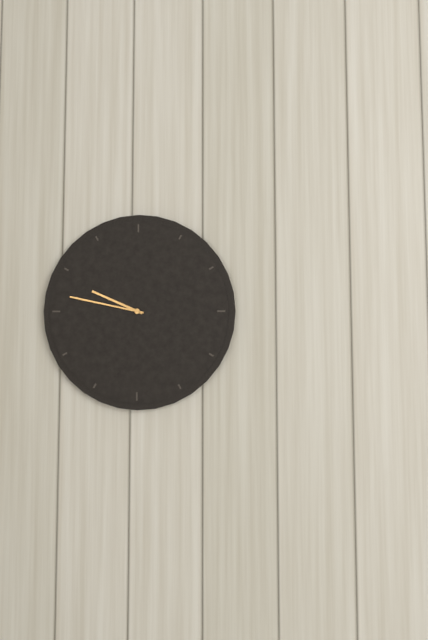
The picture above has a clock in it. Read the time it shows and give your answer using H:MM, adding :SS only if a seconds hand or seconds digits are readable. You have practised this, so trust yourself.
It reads 9:47
